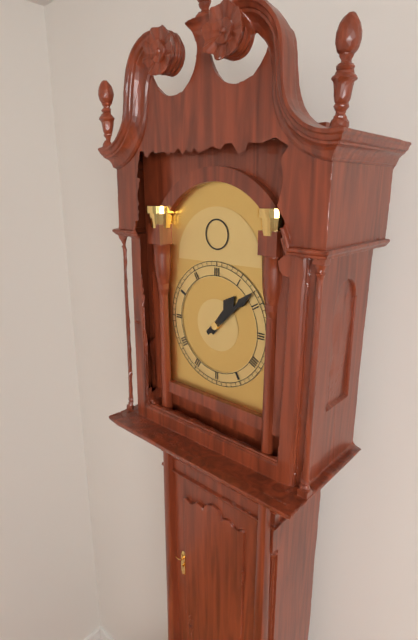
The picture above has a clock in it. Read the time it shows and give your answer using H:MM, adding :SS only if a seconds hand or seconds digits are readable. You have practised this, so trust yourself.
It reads 1:08
